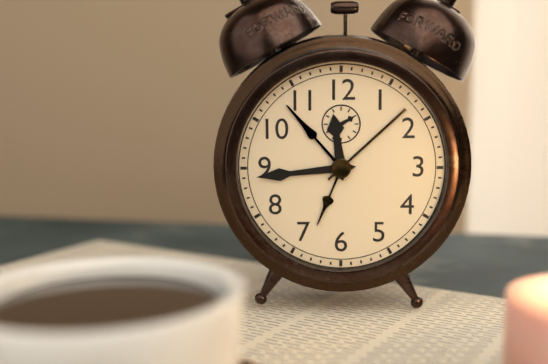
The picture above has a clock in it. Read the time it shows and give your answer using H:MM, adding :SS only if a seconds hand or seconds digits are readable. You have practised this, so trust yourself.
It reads 11:44
